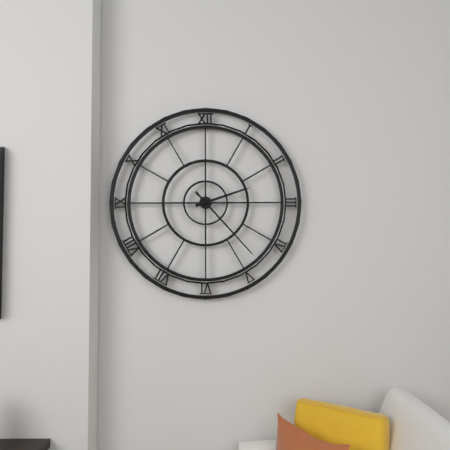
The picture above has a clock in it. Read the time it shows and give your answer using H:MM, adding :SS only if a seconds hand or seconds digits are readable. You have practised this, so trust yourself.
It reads 2:23
